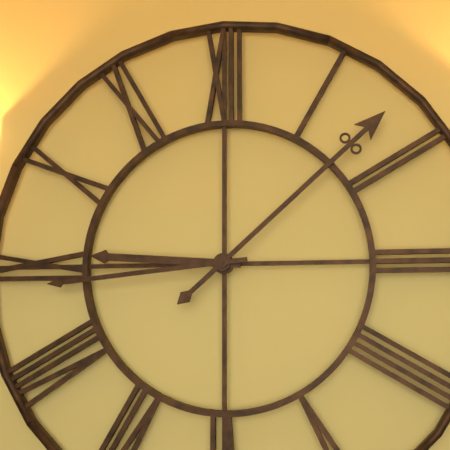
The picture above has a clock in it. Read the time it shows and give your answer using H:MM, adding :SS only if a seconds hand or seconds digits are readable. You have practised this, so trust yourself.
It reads 9:08:44
